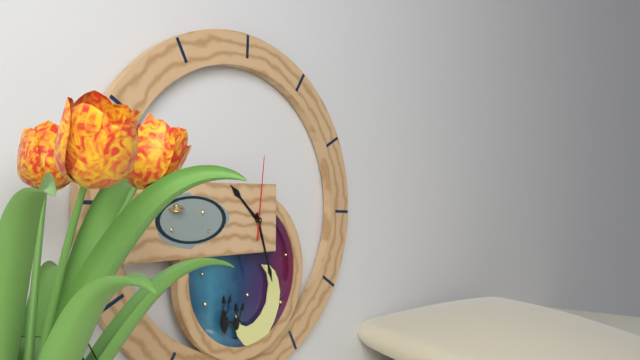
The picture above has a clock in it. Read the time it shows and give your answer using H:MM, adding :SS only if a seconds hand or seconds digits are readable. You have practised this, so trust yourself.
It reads 10:27:01
